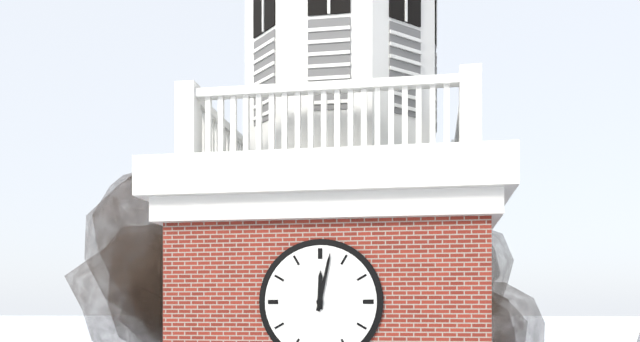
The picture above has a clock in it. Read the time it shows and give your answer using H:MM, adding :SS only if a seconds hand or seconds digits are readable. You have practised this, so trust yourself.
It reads 12:02
